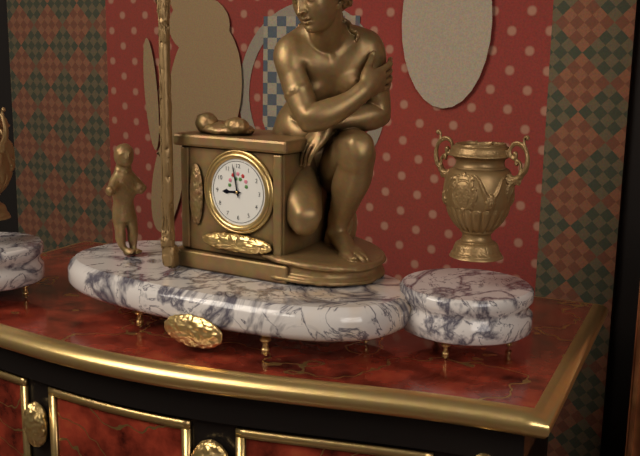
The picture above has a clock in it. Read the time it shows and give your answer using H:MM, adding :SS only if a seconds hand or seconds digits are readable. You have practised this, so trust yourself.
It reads 8:58
